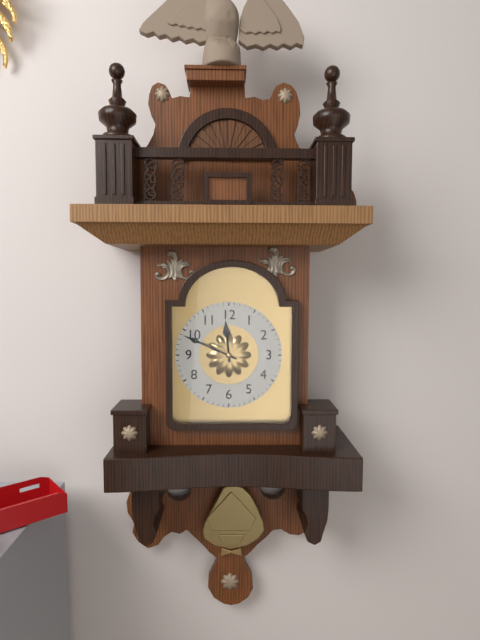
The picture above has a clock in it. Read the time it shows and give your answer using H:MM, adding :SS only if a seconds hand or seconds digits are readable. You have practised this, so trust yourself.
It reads 11:49
